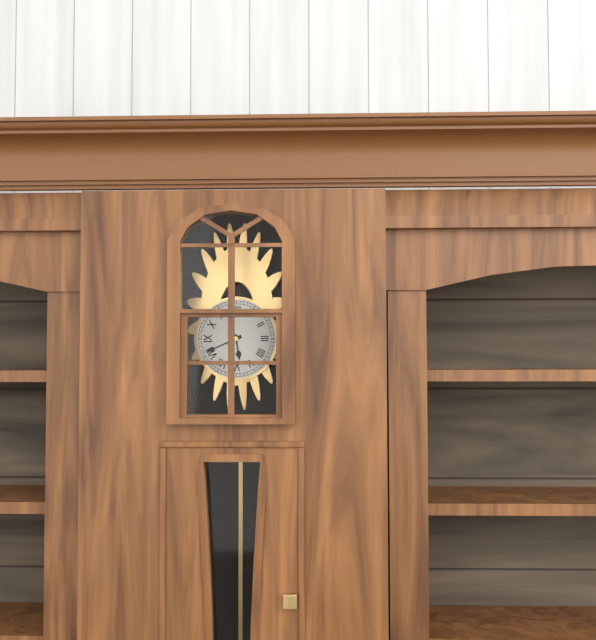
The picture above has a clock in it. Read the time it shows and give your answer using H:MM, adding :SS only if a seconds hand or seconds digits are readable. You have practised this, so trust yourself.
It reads 5:41
